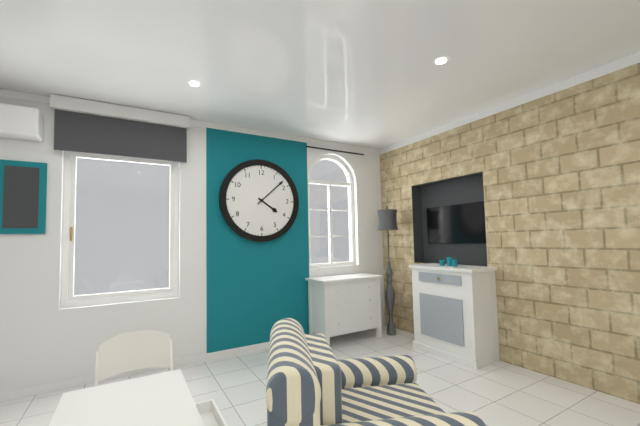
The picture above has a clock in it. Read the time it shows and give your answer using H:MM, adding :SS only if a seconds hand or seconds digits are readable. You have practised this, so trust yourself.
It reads 4:08
